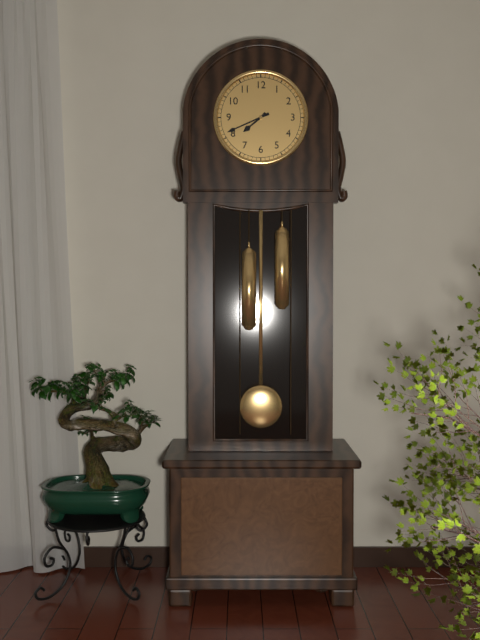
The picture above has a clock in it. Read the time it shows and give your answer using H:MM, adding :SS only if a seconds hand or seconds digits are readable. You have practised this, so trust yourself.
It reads 7:41
